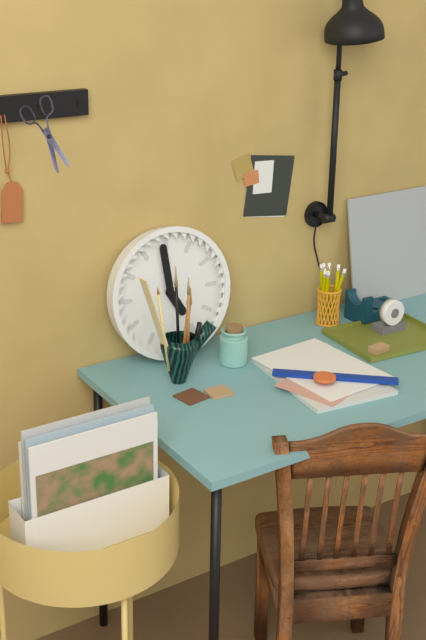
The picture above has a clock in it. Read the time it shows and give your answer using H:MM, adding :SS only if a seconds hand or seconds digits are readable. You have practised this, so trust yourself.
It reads 4:59
